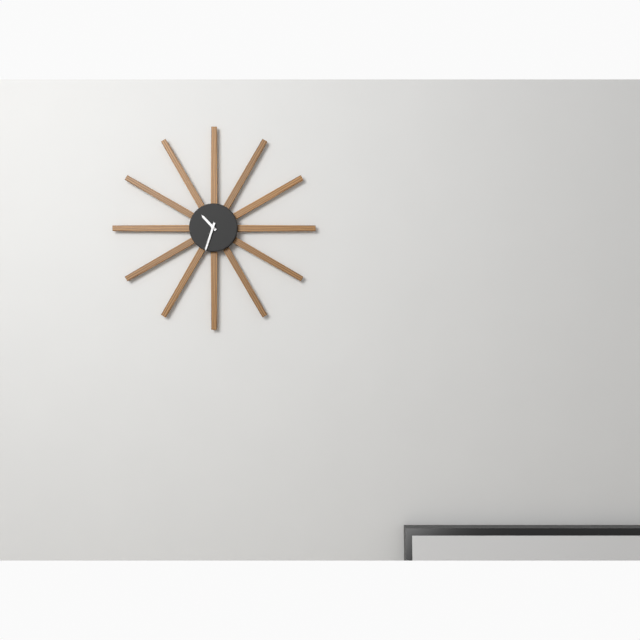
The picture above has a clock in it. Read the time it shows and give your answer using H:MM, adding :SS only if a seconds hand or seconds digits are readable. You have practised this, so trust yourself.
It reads 10:33
